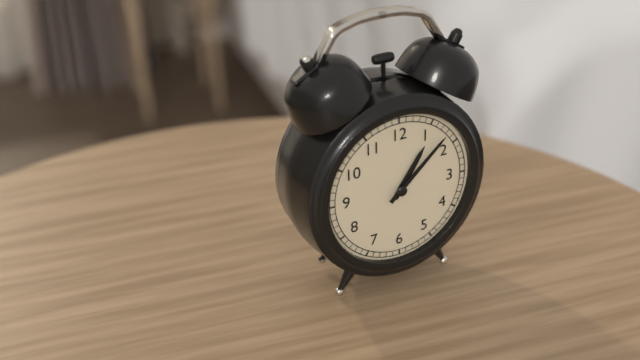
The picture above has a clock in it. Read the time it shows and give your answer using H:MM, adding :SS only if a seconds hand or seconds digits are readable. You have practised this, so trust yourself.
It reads 1:08
